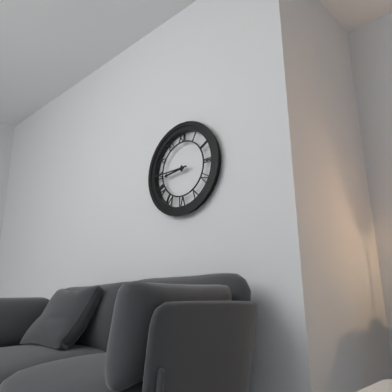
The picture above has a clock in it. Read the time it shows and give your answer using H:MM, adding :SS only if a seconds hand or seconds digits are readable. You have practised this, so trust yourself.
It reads 8:45
